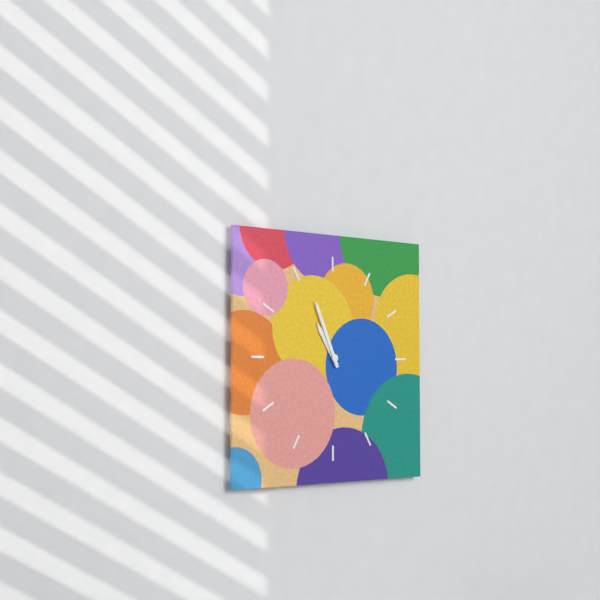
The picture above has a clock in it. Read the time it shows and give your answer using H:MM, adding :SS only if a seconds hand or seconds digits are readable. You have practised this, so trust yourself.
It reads 10:56
